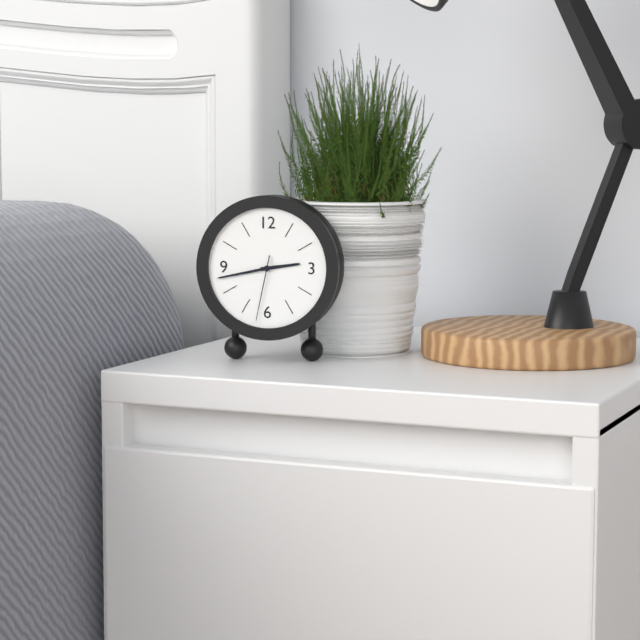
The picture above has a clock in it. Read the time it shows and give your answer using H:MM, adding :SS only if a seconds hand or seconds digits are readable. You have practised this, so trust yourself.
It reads 2:43:32
